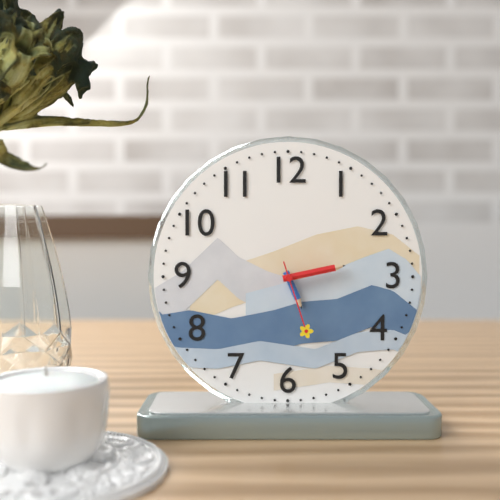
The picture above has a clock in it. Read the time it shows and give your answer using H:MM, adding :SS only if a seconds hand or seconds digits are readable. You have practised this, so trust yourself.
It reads 5:13:27
